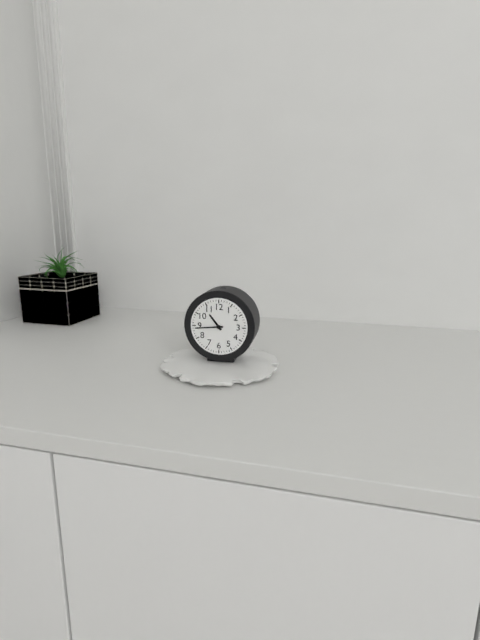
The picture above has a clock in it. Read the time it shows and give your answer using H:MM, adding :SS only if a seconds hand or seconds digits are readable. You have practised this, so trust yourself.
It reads 10:44
